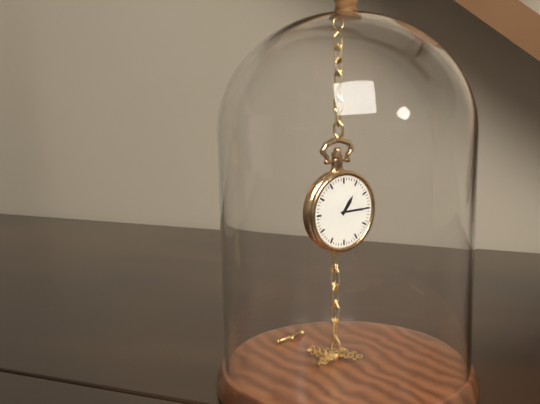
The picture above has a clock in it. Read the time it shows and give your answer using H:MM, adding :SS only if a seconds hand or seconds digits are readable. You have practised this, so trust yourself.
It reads 1:15
